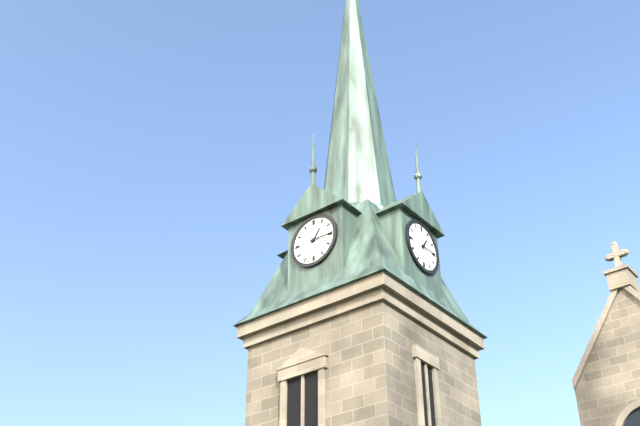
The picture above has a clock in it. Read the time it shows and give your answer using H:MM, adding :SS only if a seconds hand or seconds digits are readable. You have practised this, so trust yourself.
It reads 1:15
